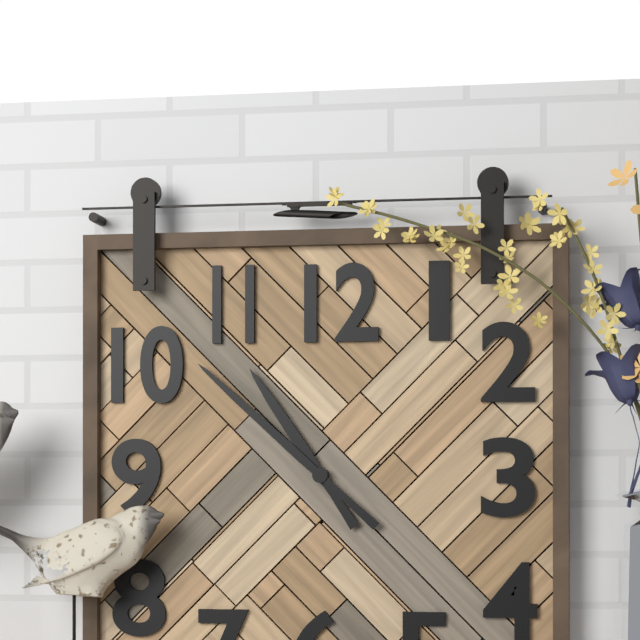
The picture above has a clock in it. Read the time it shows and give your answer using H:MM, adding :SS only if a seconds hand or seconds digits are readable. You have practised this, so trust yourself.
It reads 10:52
